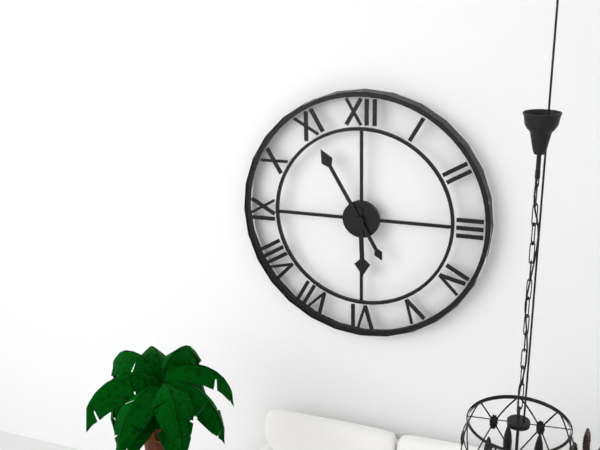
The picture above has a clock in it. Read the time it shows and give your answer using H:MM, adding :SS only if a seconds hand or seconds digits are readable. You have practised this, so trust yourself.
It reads 5:55
